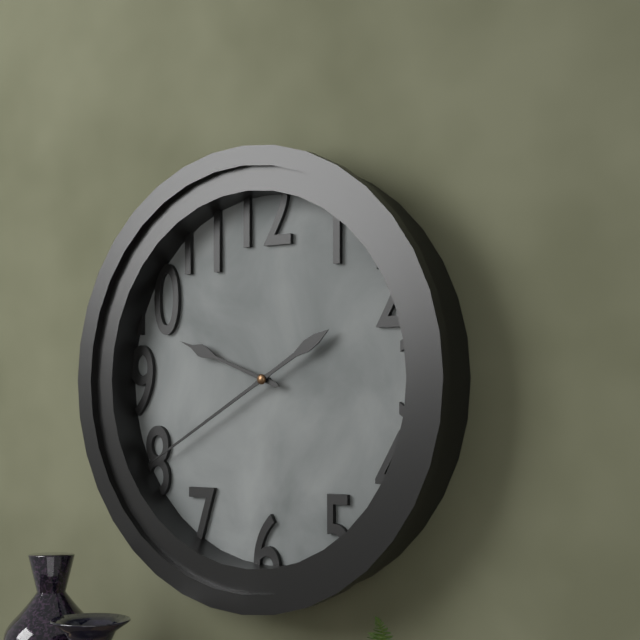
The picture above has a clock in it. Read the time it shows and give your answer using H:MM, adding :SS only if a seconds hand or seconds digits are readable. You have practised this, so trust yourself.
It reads 9:40
